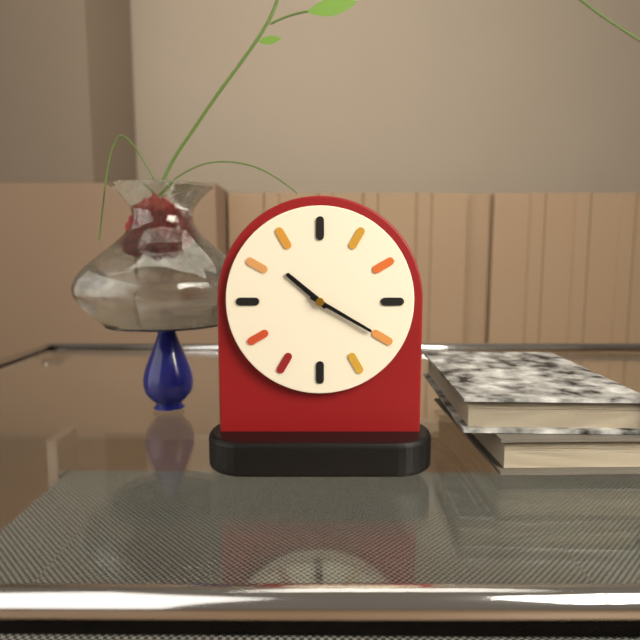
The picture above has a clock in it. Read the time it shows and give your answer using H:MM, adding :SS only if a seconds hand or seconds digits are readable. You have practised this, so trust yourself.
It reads 10:20
